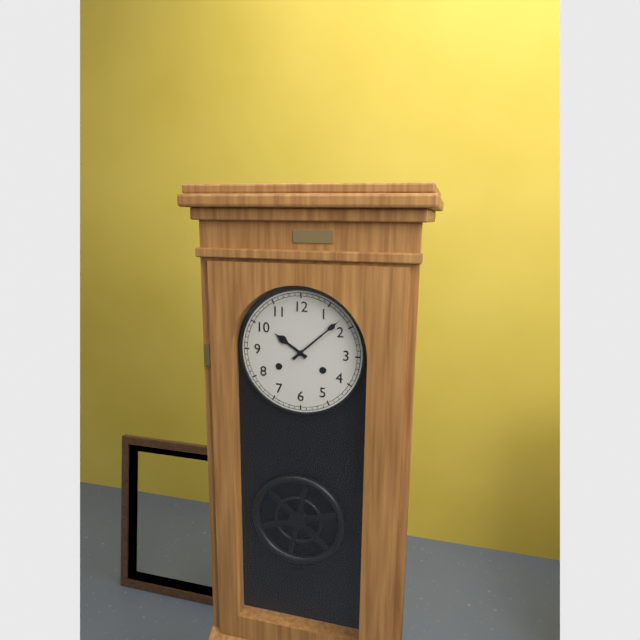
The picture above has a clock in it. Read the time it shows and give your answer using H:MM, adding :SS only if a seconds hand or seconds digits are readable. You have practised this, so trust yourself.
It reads 10:08
